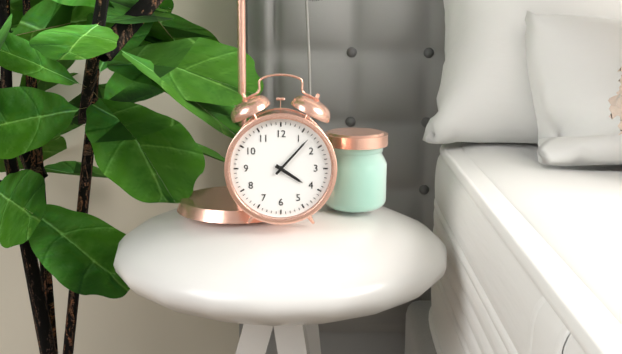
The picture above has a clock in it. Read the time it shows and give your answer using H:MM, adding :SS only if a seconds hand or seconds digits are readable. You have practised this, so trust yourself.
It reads 4:07
